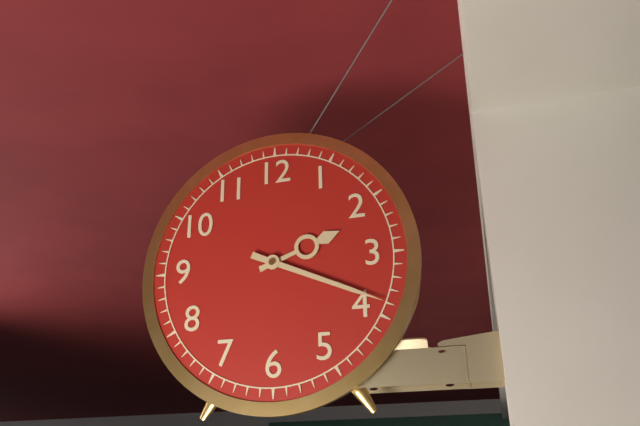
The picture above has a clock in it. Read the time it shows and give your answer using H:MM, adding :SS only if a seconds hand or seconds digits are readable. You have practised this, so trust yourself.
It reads 2:19
